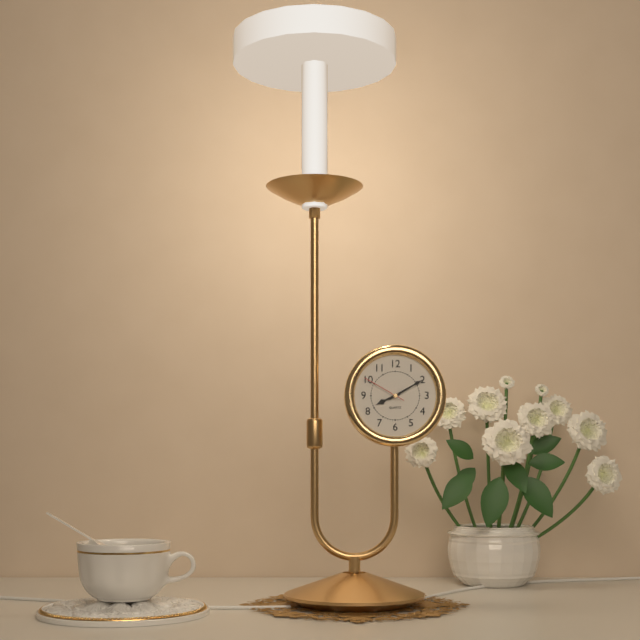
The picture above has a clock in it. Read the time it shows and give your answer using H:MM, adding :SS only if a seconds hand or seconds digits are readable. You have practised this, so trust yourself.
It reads 8:10
